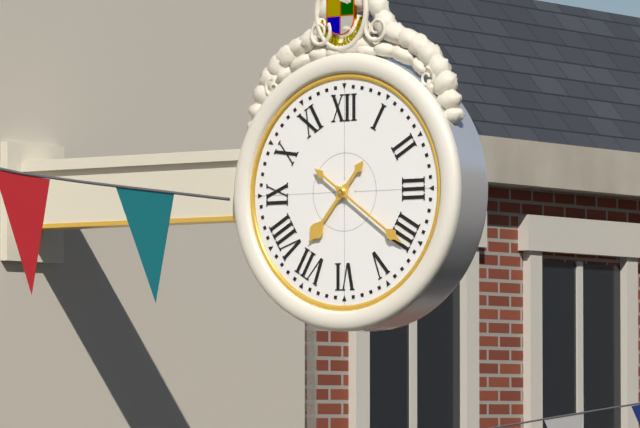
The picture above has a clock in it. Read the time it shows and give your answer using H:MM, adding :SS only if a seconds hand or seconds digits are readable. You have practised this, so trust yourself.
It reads 7:21
